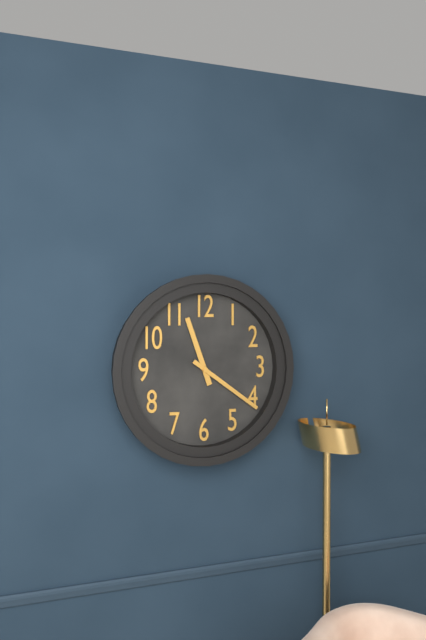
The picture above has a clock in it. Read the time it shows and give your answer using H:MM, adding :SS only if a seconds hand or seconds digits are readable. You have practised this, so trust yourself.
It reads 11:21
